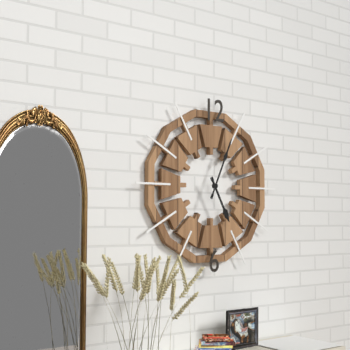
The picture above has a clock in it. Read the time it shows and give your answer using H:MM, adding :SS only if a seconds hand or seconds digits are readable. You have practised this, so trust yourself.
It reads 5:04
